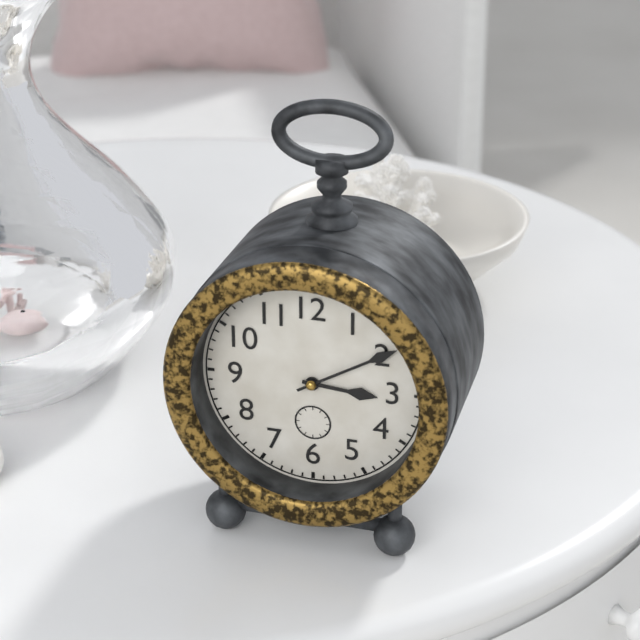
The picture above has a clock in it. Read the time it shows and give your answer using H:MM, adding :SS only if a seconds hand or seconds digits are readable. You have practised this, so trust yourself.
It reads 3:10
